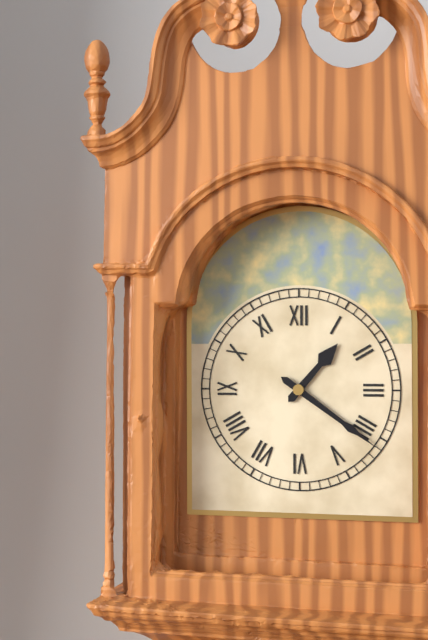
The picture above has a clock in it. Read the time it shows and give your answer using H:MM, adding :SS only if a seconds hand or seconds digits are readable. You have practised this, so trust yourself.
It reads 1:21
